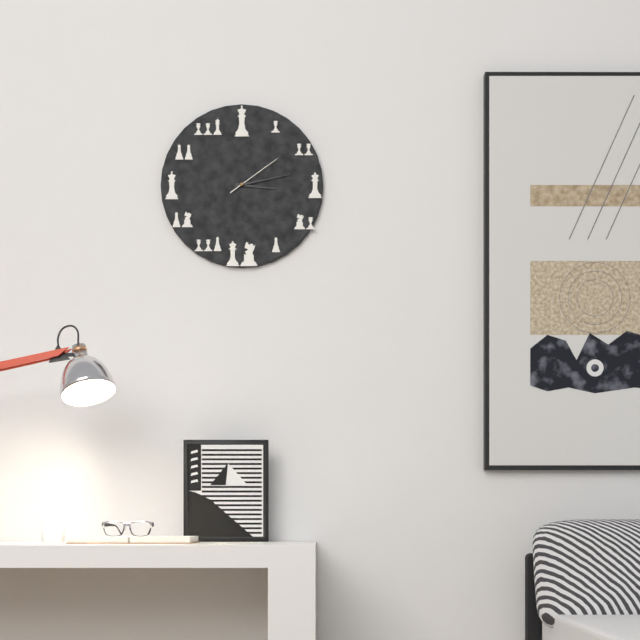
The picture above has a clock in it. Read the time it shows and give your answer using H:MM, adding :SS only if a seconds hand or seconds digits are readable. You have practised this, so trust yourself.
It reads 3:13:09
